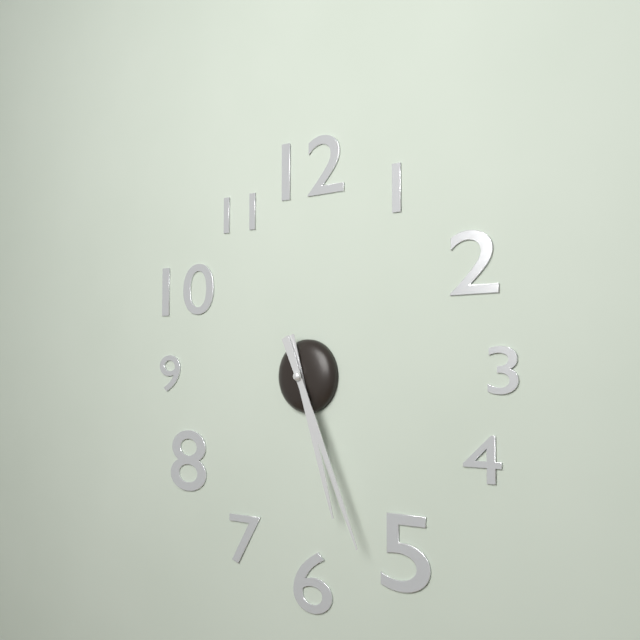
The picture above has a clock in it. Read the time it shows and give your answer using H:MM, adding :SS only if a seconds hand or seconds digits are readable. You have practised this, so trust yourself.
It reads 5:26
